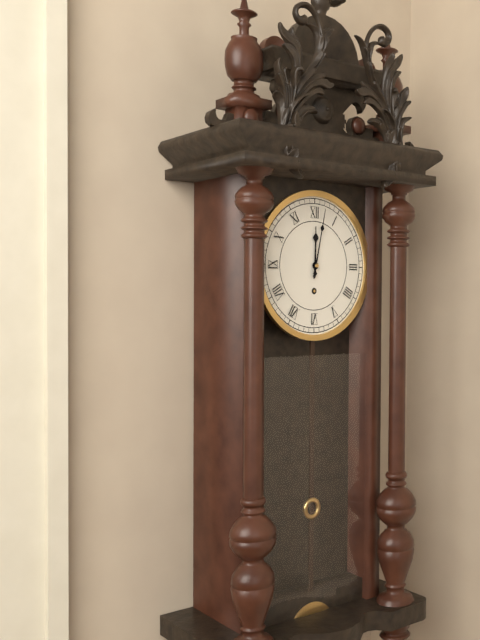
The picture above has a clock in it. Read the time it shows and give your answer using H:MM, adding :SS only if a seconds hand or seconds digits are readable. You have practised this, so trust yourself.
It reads 12:02
